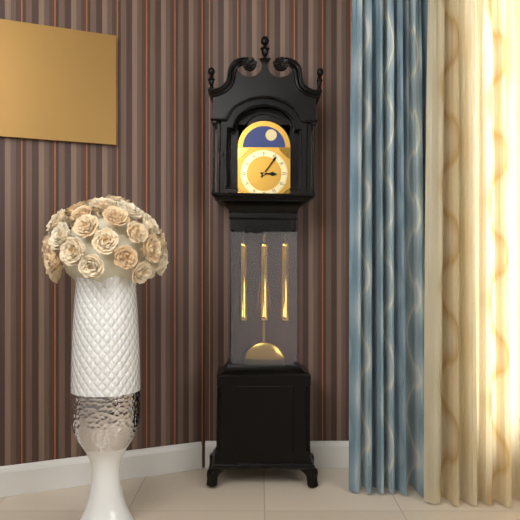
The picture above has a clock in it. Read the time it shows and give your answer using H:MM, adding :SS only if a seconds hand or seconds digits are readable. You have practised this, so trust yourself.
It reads 3:06
